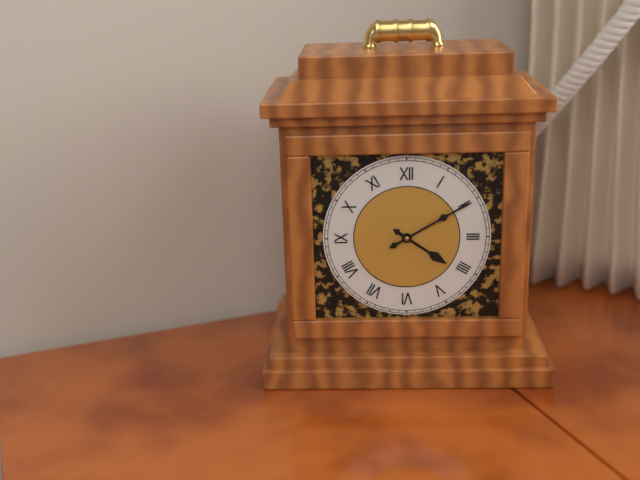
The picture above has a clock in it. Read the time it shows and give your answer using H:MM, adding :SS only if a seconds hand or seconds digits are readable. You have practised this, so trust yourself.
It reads 4:10
